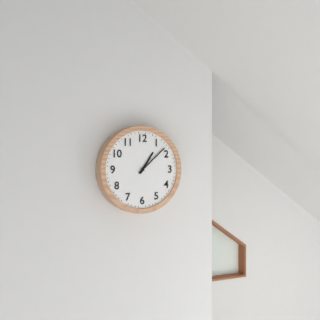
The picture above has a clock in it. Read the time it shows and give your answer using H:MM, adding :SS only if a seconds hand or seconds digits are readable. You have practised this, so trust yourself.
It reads 1:08
